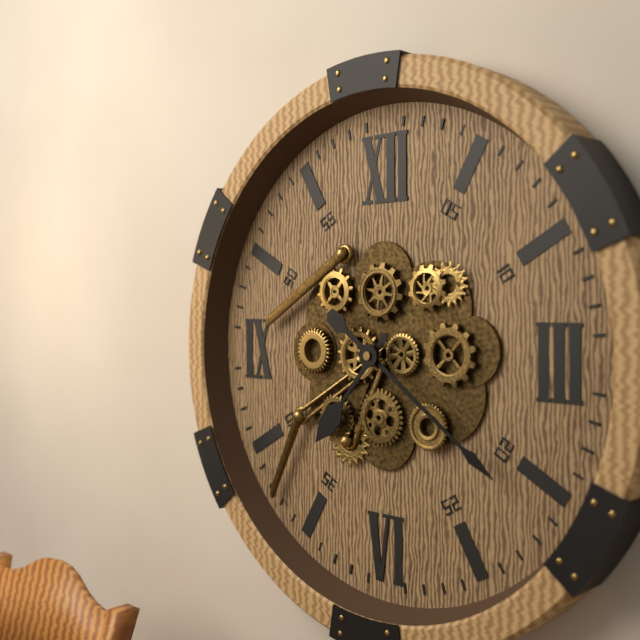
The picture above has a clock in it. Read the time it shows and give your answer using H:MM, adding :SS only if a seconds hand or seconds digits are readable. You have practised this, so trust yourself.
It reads 7:21
